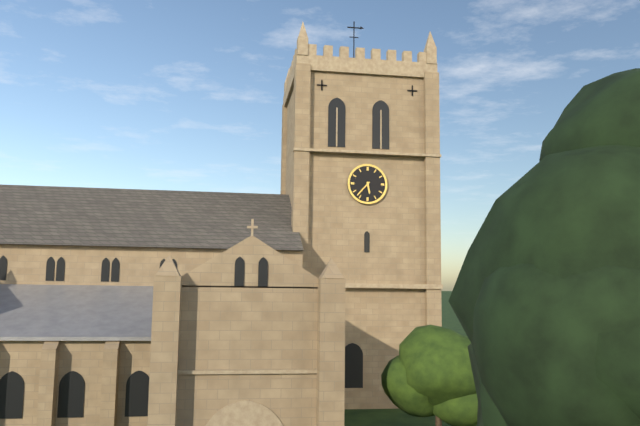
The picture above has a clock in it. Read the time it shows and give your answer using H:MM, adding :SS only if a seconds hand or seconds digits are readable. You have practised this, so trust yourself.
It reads 5:37
